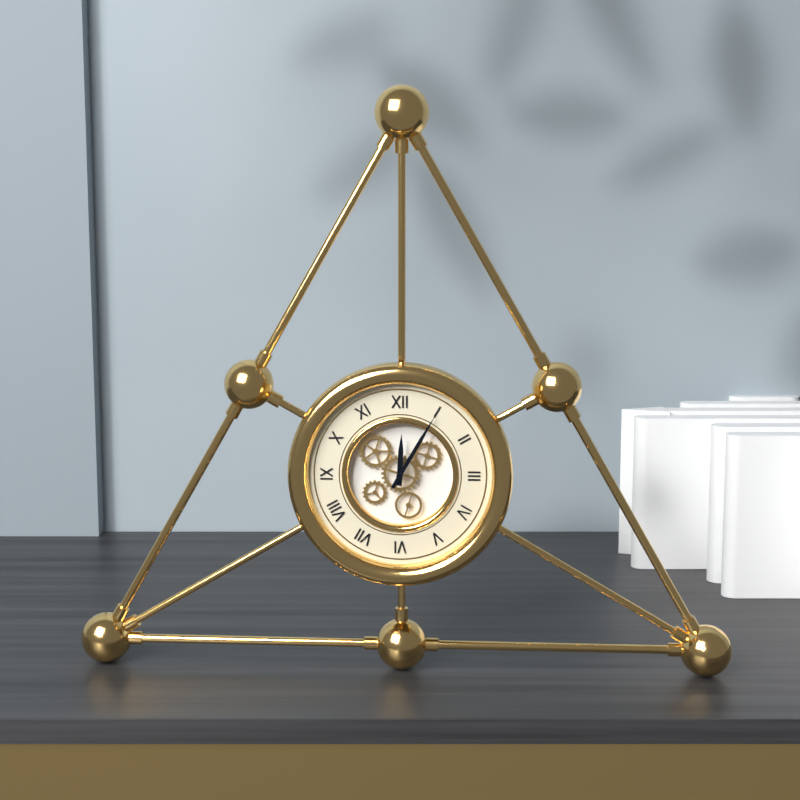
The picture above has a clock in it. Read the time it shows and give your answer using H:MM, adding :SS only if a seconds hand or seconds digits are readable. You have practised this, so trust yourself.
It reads 12:05
